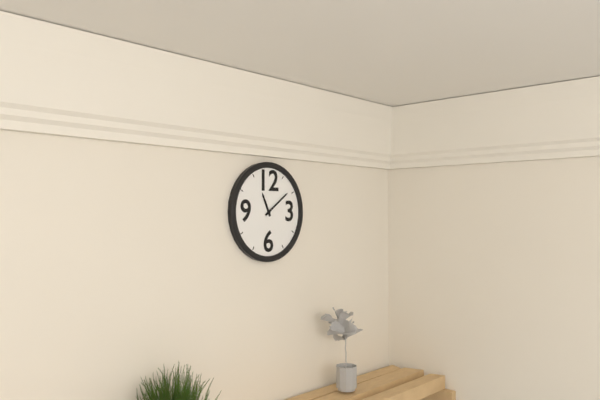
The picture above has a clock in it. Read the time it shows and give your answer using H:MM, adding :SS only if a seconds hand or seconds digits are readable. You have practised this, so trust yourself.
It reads 11:09
